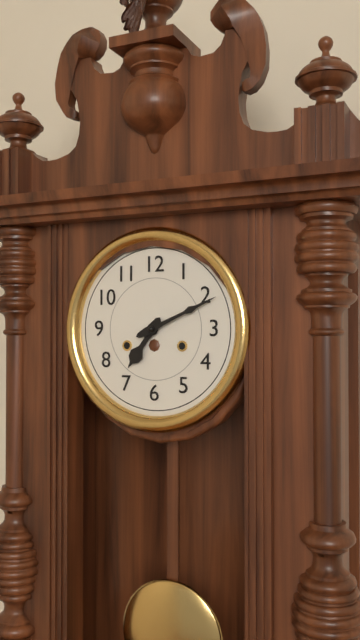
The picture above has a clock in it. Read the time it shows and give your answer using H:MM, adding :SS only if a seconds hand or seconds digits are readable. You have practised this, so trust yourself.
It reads 7:11
